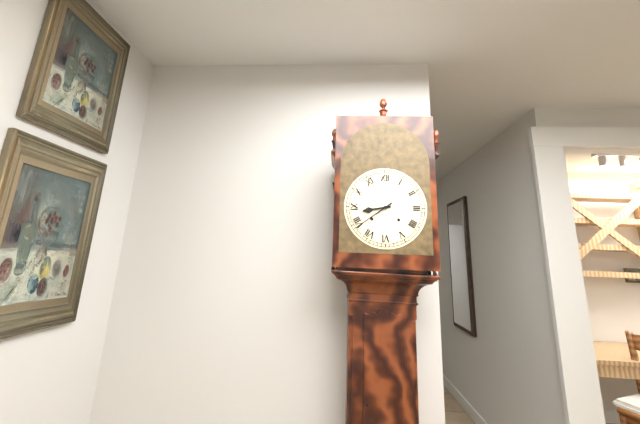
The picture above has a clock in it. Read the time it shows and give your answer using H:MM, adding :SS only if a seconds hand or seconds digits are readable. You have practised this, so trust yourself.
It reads 8:39
